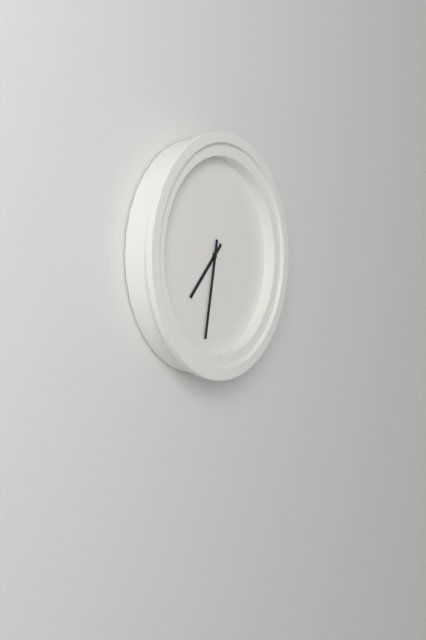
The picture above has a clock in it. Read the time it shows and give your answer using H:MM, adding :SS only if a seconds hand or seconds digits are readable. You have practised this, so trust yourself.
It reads 7:32
